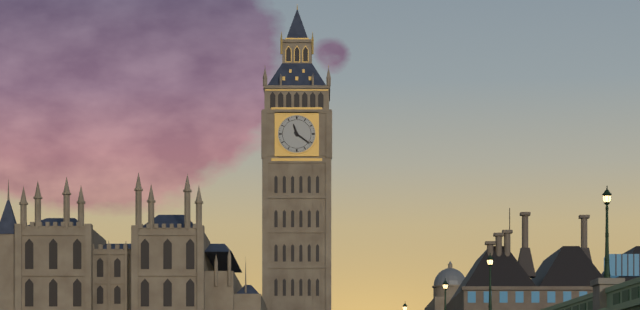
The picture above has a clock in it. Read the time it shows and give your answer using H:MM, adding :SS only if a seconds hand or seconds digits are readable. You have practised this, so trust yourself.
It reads 11:21
